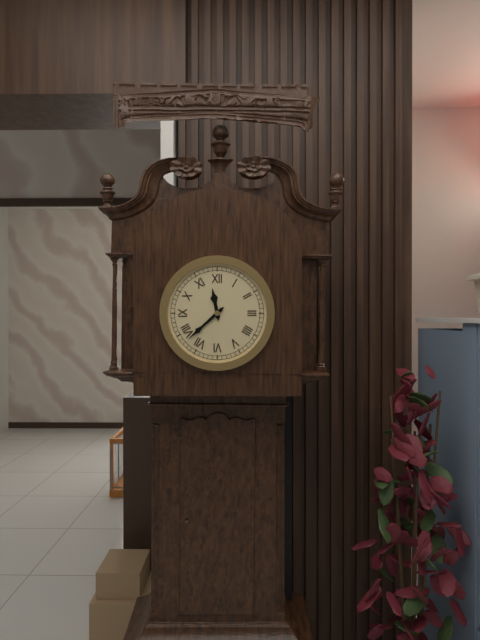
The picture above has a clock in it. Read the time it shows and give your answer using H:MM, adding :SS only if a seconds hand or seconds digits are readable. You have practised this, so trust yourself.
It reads 11:38
